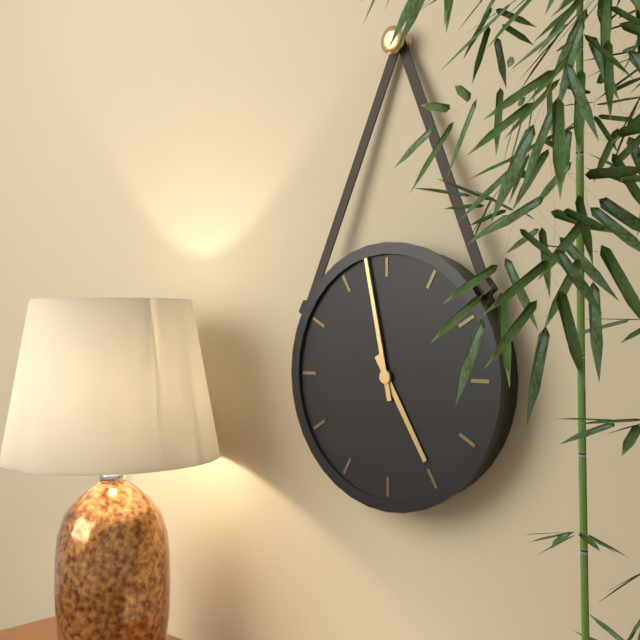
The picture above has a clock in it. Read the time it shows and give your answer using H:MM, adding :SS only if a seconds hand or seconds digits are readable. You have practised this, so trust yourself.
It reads 4:58
